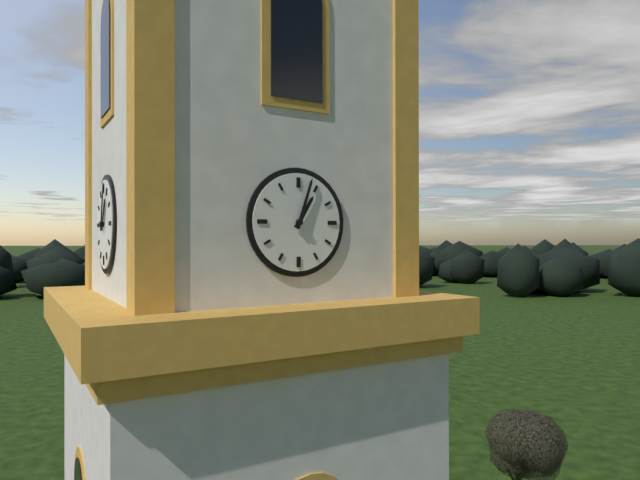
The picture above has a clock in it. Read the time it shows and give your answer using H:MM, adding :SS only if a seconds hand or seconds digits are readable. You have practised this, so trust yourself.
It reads 1:03
